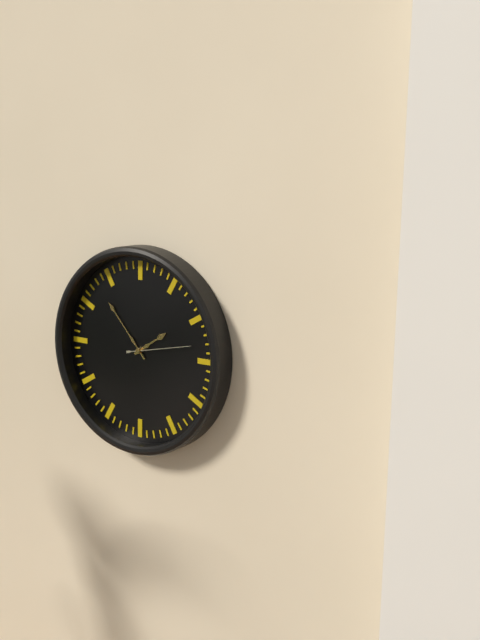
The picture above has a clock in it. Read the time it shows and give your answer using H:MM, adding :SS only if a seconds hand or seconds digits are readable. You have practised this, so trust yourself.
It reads 1:53:13
